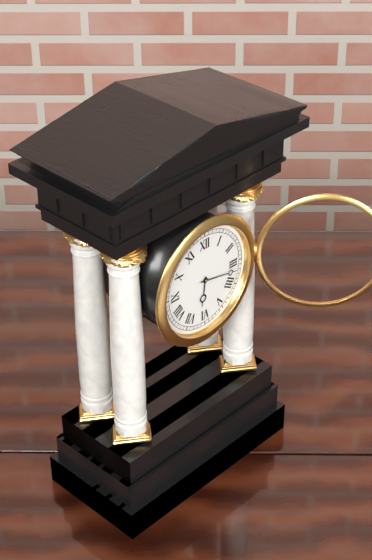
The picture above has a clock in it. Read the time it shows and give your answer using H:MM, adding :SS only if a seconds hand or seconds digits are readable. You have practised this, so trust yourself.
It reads 6:17
